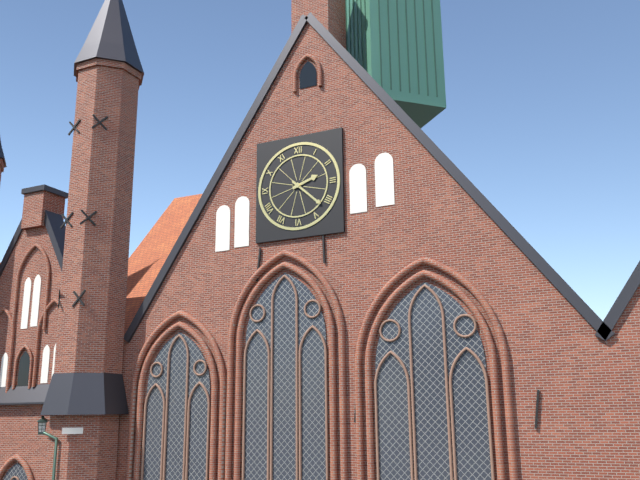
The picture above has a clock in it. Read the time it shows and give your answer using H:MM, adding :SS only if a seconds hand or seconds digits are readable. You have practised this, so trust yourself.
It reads 2:22
